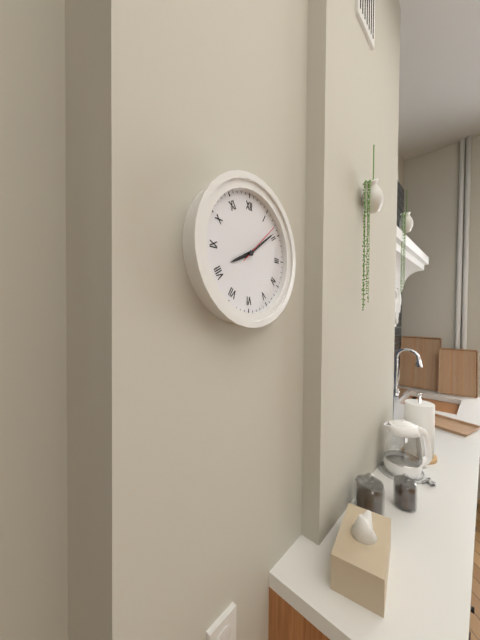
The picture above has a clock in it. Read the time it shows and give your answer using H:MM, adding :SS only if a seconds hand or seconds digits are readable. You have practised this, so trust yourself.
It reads 8:09
